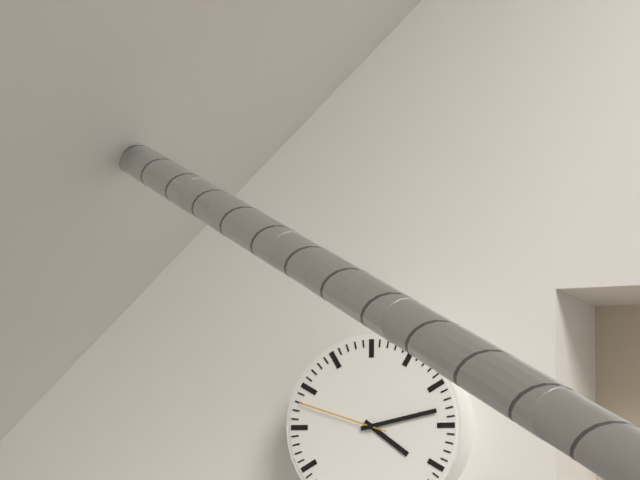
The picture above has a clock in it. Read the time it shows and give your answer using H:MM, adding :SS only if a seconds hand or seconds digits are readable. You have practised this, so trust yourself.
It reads 4:13:48
